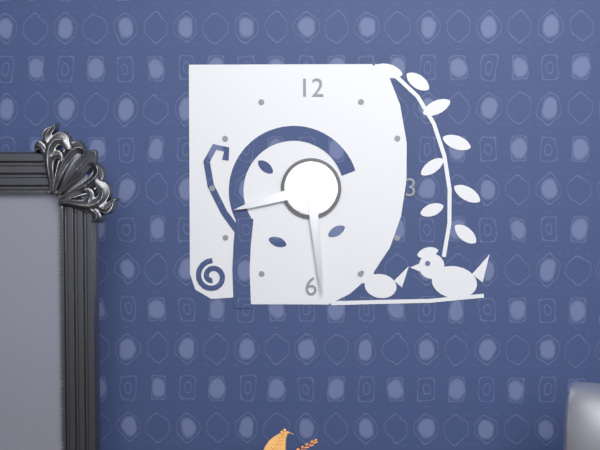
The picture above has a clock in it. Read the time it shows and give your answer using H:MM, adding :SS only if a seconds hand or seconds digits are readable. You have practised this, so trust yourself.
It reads 8:29
